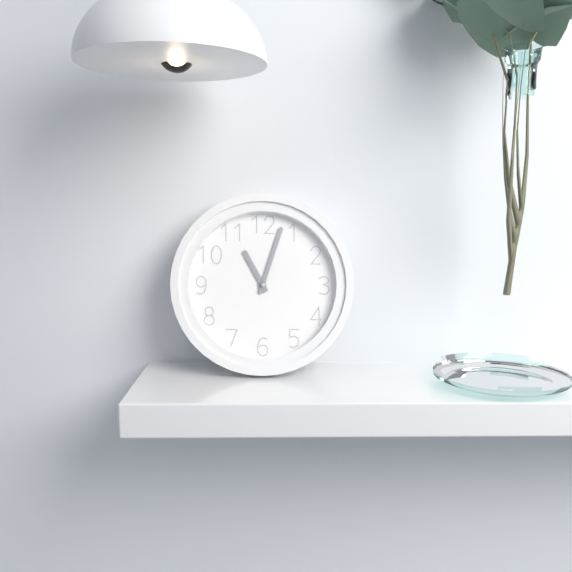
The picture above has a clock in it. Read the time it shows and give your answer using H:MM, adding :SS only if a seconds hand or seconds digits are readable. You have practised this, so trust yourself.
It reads 11:03
